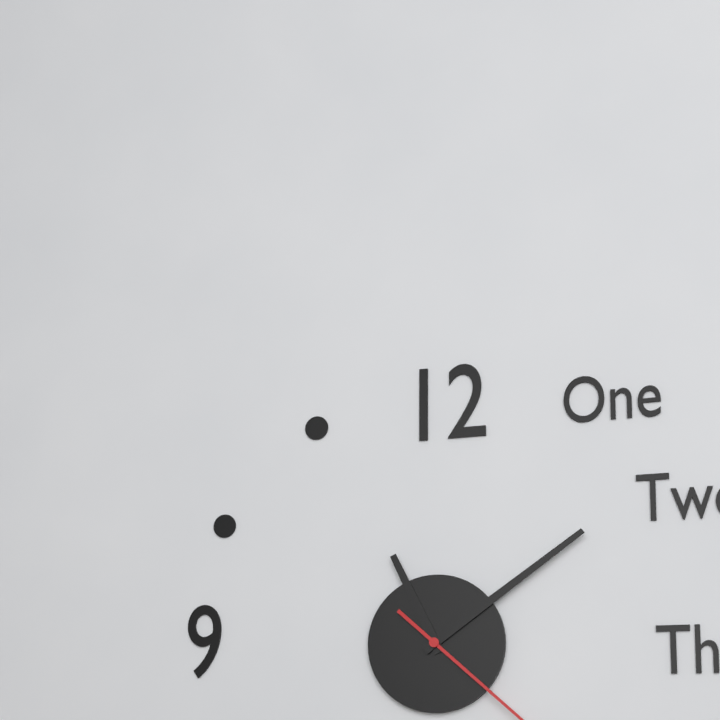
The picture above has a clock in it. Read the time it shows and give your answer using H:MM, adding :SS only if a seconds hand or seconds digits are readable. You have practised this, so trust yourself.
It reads 11:09
